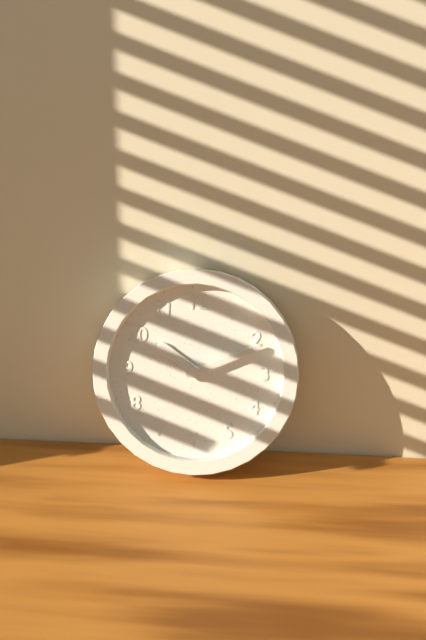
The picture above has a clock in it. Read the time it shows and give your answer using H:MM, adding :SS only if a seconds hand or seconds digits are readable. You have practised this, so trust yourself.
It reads 10:11
